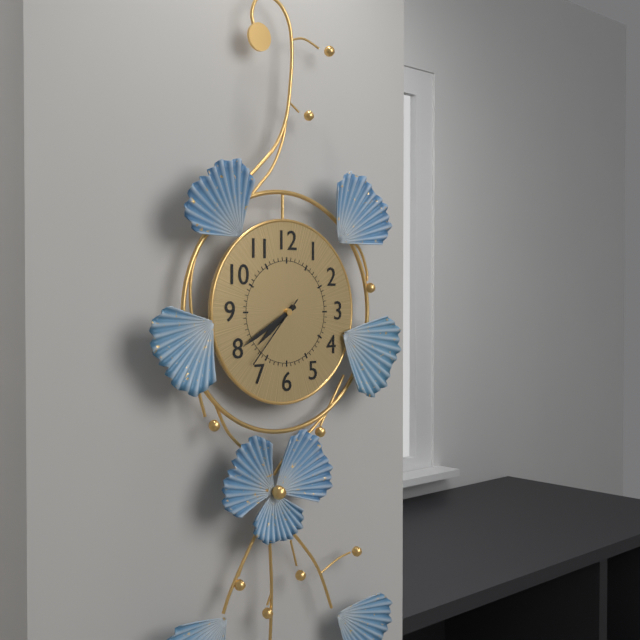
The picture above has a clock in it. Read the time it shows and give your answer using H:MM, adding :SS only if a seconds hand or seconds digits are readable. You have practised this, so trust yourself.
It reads 7:40:37
